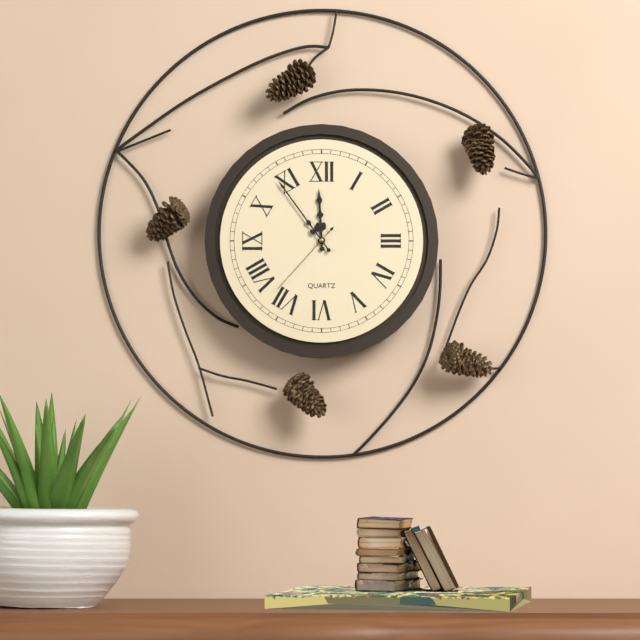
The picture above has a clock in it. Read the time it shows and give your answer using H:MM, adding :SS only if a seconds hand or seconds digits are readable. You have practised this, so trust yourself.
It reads 11:54:37
